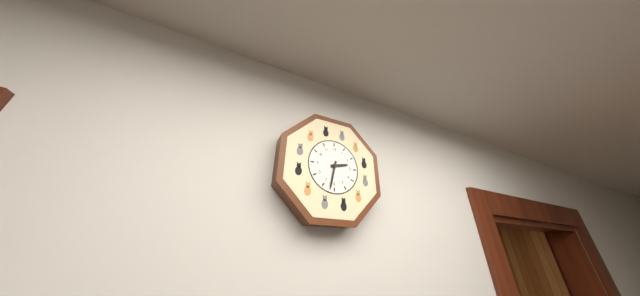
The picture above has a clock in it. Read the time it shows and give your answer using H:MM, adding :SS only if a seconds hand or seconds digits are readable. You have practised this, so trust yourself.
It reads 2:32
